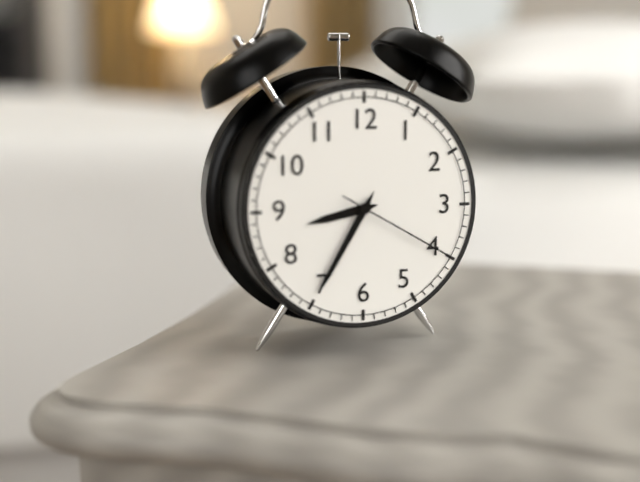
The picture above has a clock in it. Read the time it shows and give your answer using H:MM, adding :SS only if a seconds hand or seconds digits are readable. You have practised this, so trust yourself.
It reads 8:35:20
